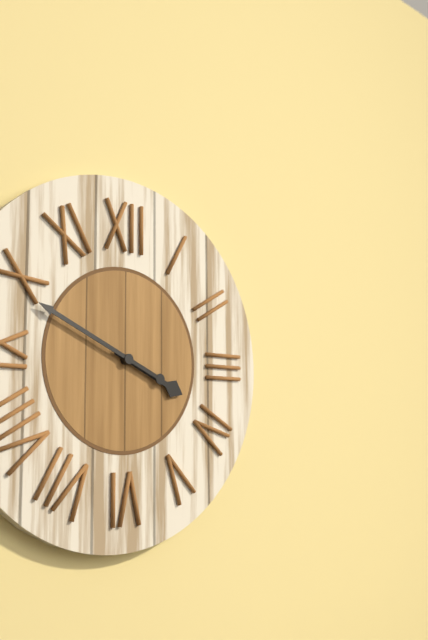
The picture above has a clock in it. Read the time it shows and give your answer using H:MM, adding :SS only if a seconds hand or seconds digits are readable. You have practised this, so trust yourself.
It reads 3:49
